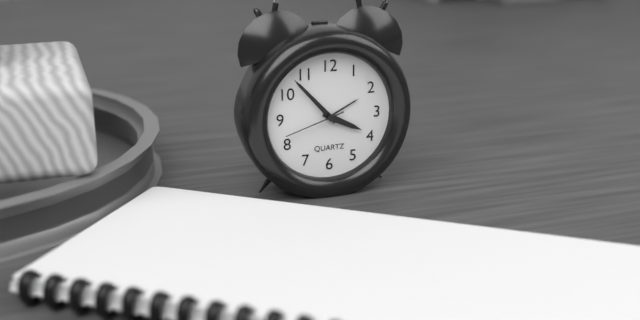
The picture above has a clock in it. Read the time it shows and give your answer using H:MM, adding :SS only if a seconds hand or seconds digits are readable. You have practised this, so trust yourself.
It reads 3:53:42
